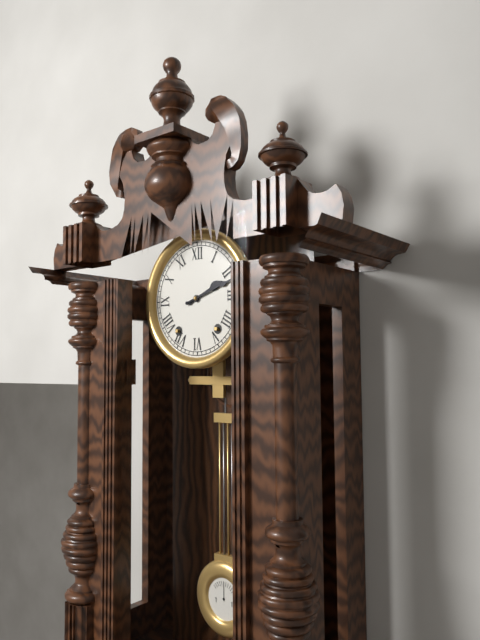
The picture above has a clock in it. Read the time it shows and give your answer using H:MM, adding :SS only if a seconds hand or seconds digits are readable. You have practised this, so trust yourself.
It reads 2:12
